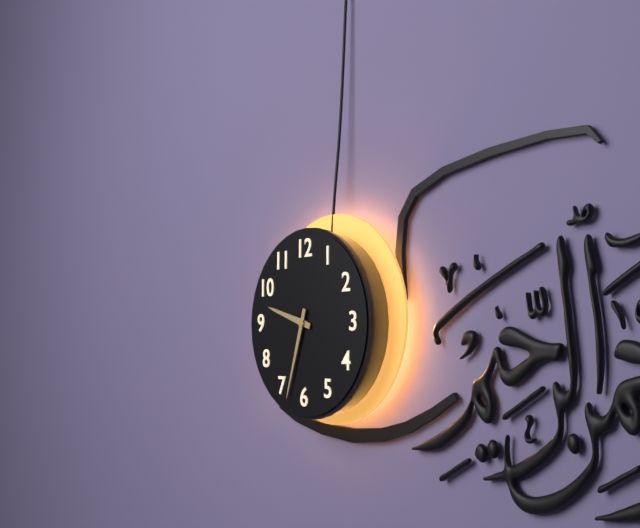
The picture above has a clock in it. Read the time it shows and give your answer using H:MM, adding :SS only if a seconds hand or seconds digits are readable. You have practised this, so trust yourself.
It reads 9:33
